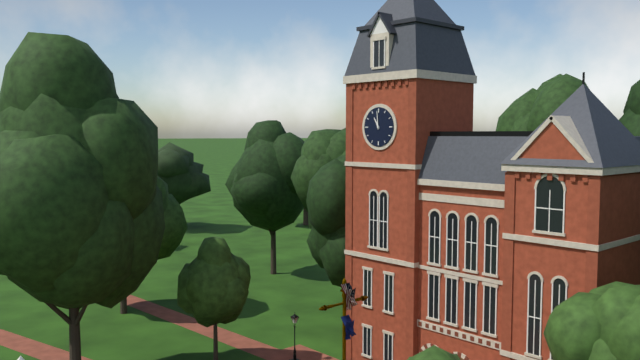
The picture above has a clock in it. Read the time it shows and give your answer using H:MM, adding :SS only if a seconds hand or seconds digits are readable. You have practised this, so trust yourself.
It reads 10:59
